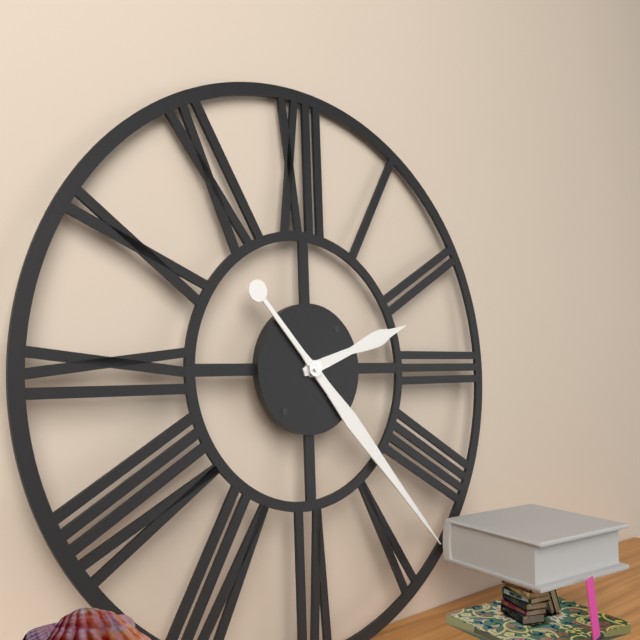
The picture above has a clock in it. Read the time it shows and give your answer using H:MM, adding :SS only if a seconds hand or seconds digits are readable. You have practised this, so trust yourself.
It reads 2:23
